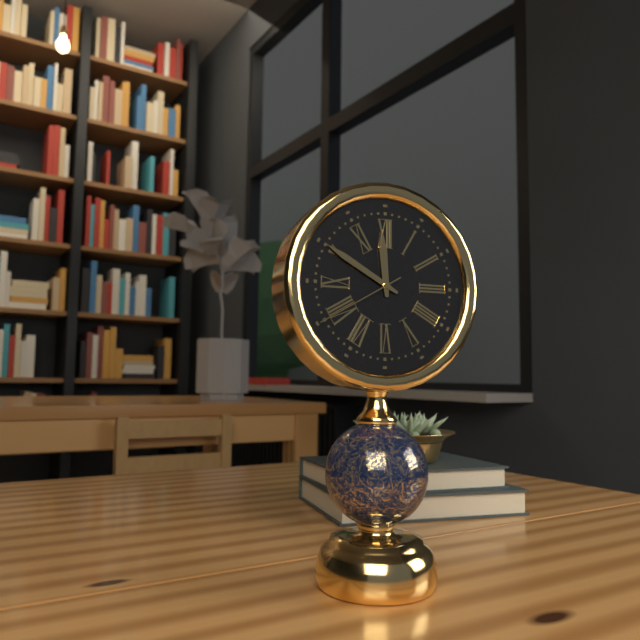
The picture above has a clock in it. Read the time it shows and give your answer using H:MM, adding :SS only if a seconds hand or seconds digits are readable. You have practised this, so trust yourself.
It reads 11:50:40
